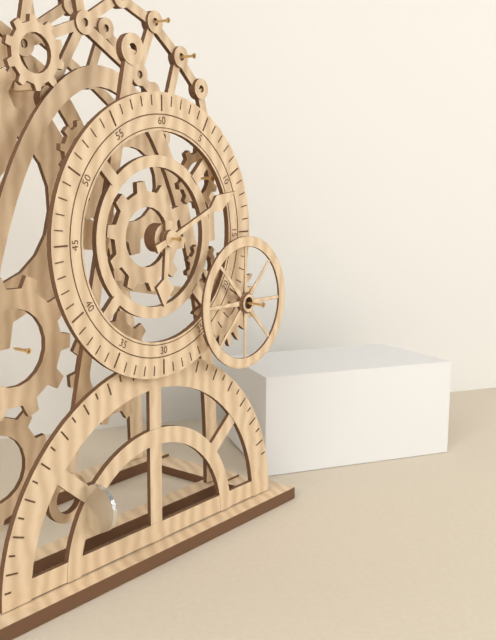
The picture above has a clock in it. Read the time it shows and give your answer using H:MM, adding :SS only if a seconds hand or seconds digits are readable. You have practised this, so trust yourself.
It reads 6:11
